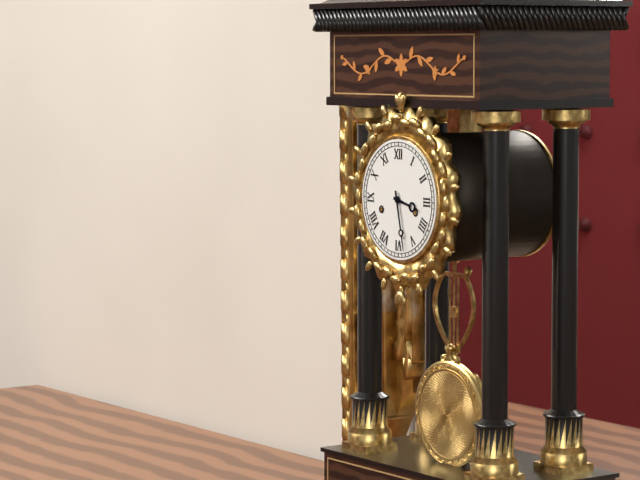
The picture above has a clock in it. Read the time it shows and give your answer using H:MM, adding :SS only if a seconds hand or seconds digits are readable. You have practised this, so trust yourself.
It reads 3:28
